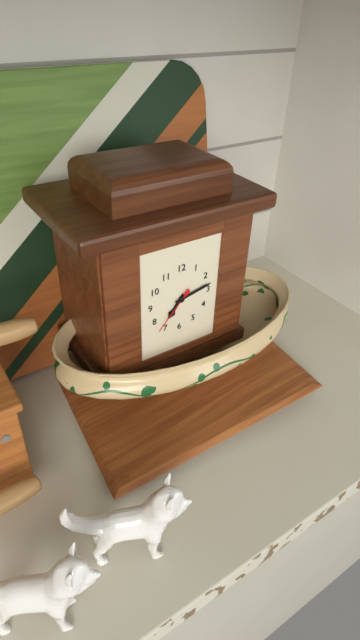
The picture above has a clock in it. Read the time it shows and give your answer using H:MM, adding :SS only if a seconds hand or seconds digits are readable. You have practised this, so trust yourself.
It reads 7:13:37
